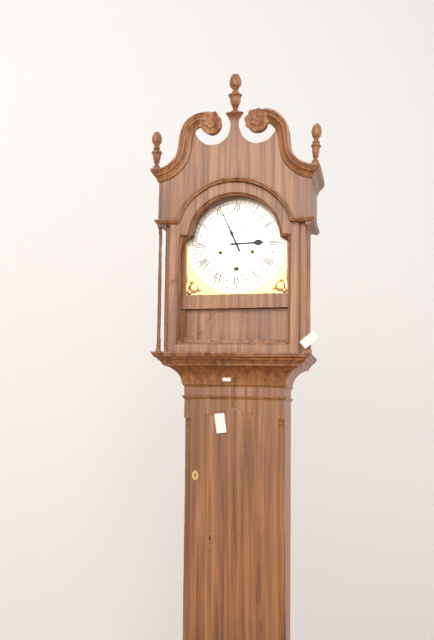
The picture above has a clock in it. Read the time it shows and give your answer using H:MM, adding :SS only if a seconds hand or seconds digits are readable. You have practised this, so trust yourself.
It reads 2:56
